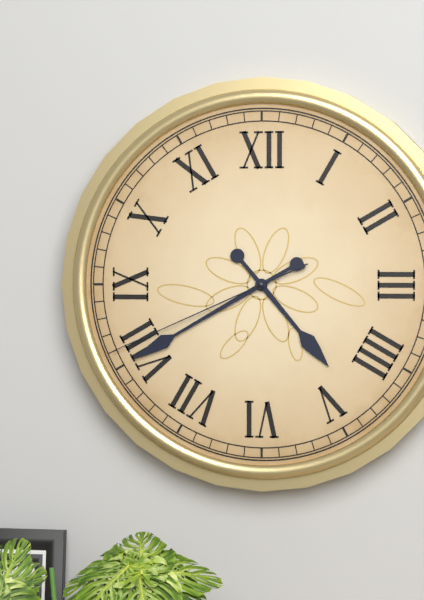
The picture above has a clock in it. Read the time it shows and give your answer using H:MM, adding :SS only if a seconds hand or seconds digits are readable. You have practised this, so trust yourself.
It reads 4:40:41
